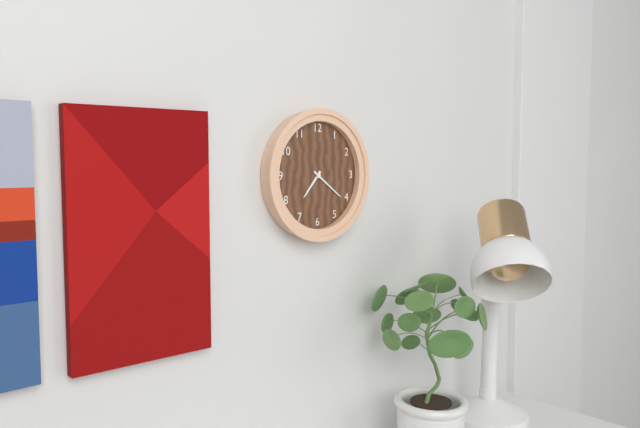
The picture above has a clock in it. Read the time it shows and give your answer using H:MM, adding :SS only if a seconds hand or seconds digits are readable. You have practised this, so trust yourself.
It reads 7:21
